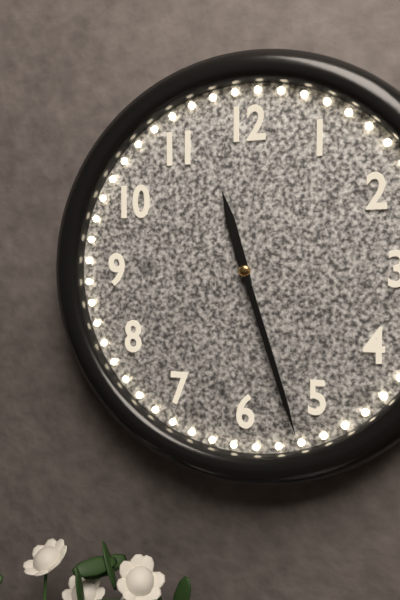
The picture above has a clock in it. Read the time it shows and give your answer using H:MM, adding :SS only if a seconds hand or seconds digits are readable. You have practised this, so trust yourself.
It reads 11:27
